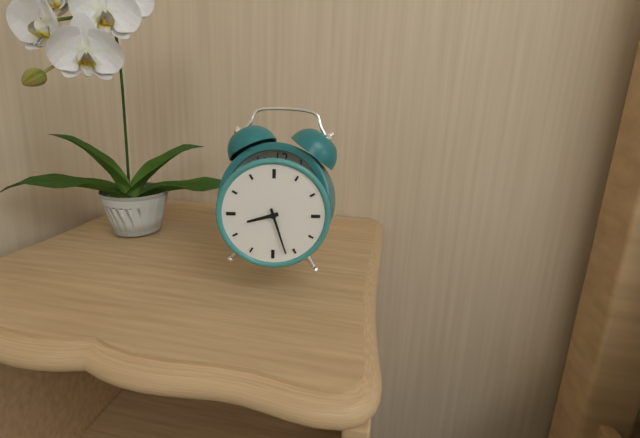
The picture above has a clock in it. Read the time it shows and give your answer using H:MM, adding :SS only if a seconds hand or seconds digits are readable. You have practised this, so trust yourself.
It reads 8:27
